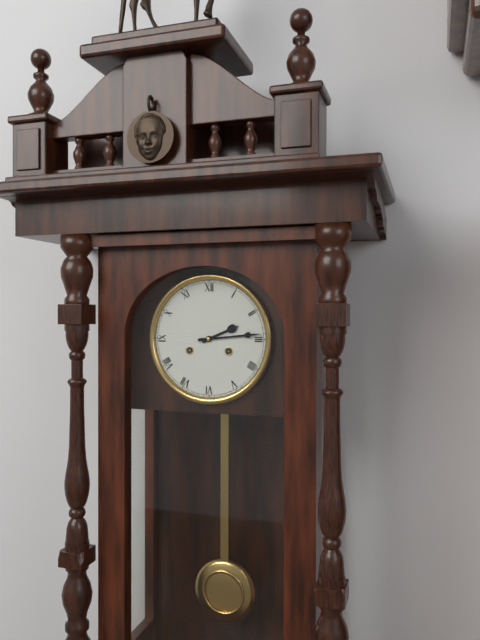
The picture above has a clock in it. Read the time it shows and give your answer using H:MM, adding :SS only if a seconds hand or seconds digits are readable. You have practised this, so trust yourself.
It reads 2:14
